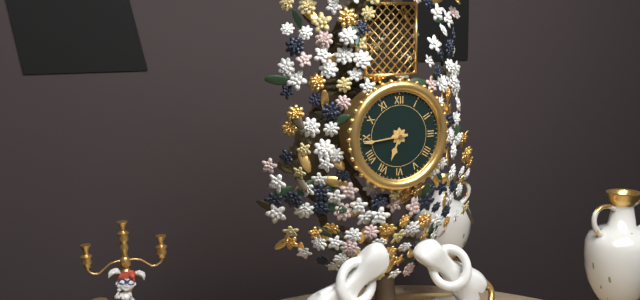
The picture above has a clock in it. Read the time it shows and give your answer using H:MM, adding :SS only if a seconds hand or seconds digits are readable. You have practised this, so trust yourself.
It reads 6:44
